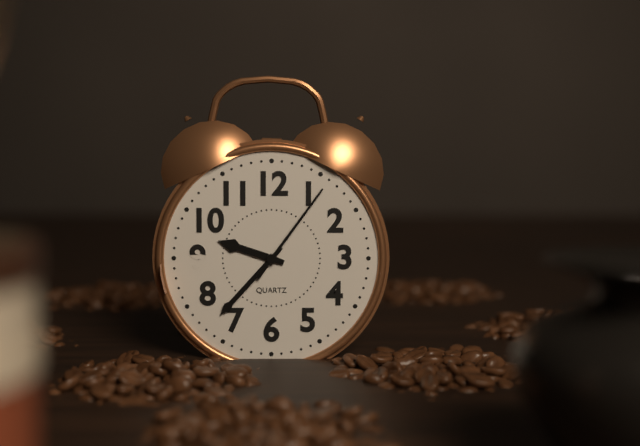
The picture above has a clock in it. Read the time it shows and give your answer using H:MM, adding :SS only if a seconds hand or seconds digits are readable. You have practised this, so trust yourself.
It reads 9:37:06
